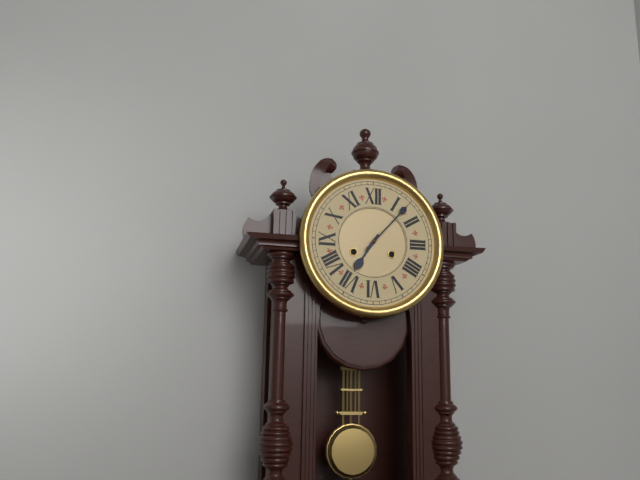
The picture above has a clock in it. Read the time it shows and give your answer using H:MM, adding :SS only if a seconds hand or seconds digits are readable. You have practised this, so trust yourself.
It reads 7:07
